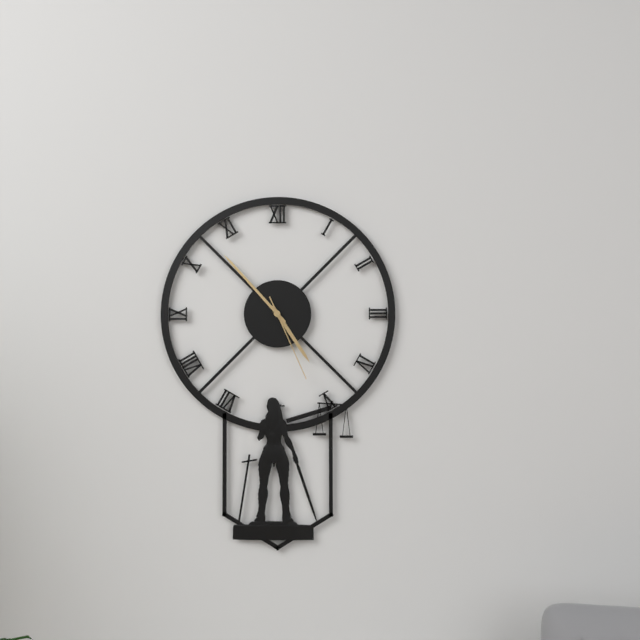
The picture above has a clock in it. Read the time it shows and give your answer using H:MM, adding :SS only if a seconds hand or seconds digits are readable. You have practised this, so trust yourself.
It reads 4:53:26
